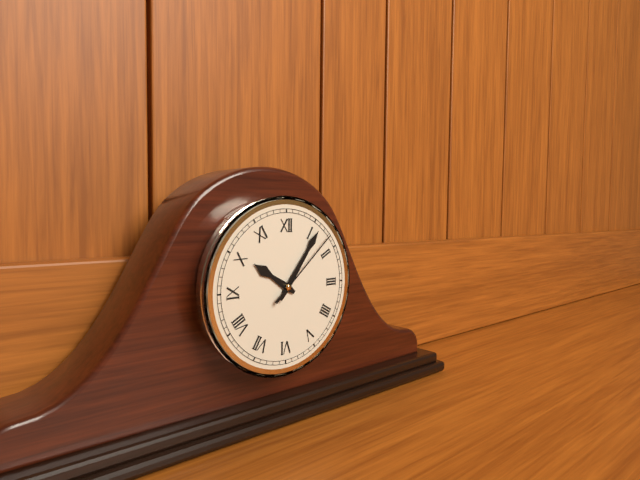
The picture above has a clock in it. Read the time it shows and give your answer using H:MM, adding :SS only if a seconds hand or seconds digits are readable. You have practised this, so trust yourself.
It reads 10:06:08
